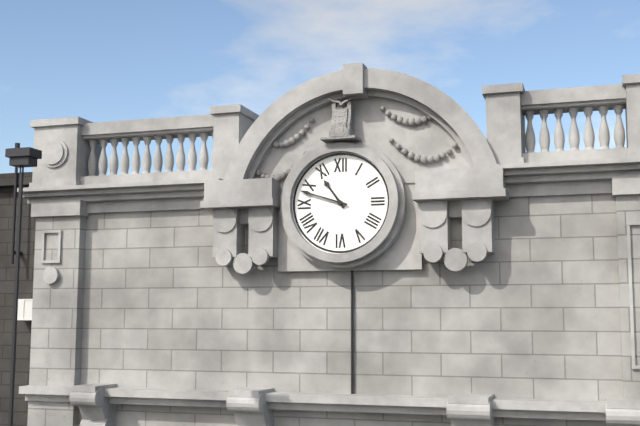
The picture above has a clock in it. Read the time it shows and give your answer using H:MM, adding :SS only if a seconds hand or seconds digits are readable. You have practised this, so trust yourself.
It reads 10:48
